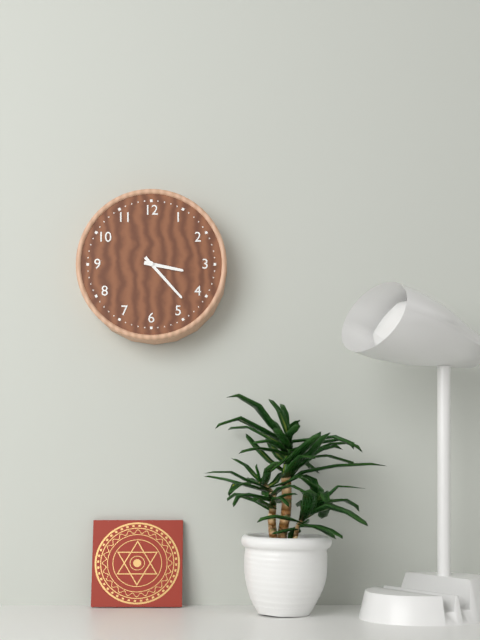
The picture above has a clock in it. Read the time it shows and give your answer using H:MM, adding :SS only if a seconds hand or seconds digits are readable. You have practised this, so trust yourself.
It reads 3:23
